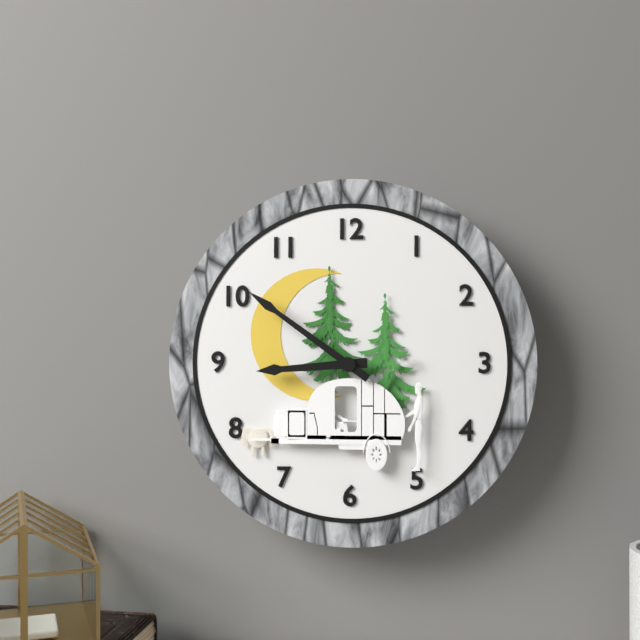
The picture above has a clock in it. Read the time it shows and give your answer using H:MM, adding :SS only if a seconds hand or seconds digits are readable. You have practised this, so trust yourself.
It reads 8:51
